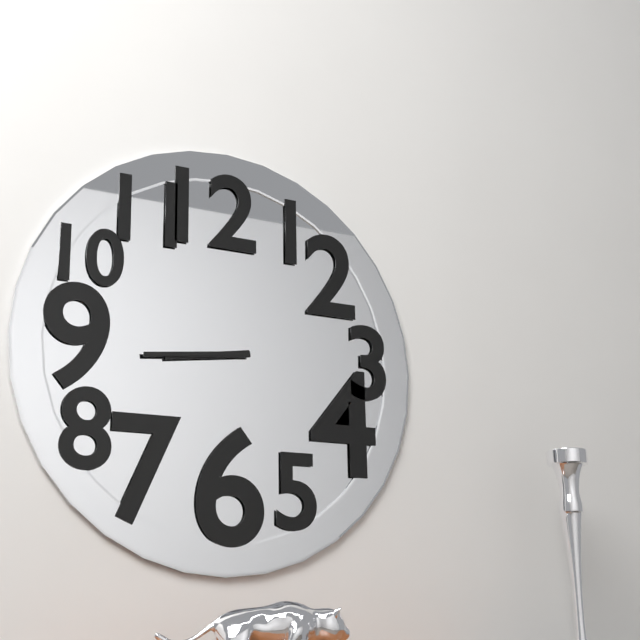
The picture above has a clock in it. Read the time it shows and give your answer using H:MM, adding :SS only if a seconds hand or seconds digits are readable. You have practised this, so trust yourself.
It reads 8:44
